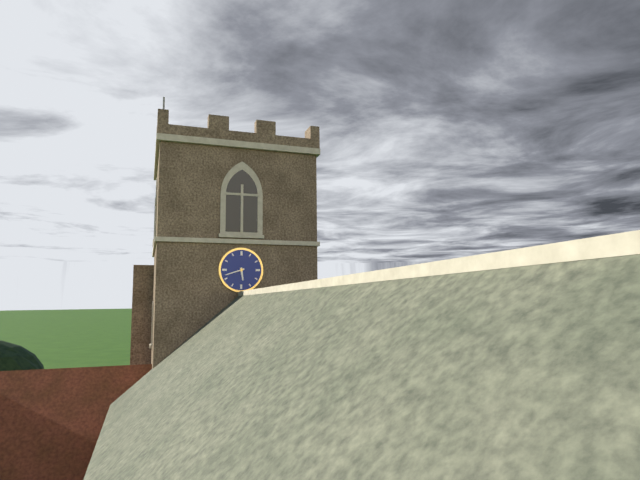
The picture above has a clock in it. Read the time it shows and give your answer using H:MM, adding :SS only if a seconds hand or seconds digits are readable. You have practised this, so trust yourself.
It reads 5:42
